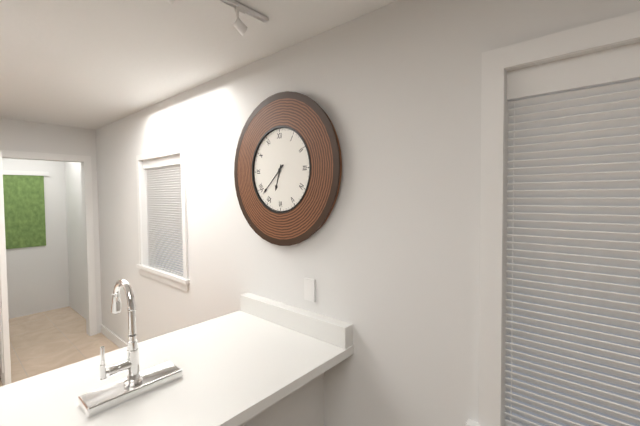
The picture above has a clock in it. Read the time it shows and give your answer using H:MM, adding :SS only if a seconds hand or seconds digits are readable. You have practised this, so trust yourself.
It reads 6:38
